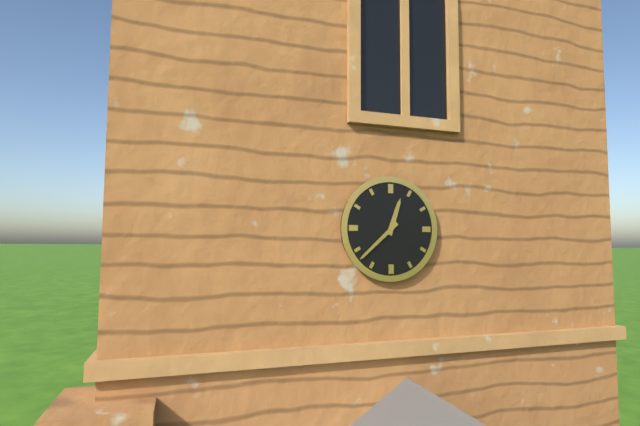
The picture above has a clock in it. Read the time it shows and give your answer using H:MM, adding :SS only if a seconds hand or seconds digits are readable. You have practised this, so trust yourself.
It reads 12:38
